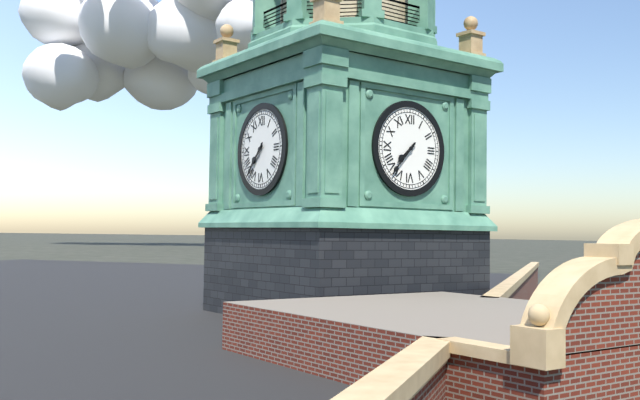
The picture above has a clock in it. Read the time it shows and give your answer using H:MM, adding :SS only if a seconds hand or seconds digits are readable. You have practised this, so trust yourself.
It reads 7:37
